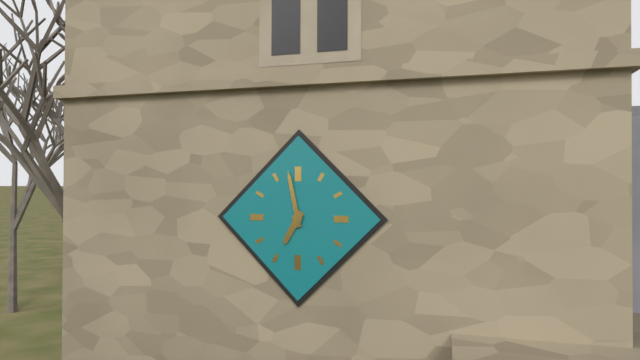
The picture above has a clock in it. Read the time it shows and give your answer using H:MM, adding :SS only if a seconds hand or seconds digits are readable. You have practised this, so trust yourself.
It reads 6:58
